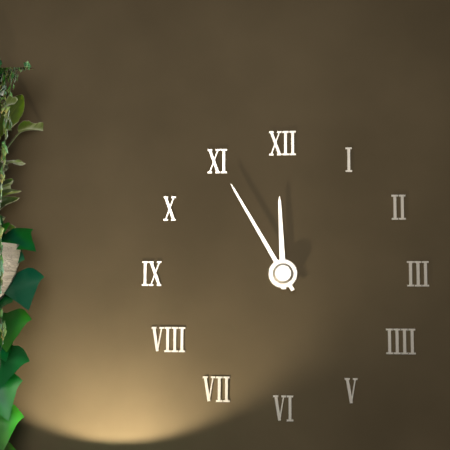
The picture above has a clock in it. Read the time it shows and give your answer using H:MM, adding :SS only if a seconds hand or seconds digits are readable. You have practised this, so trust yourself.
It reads 11:55
